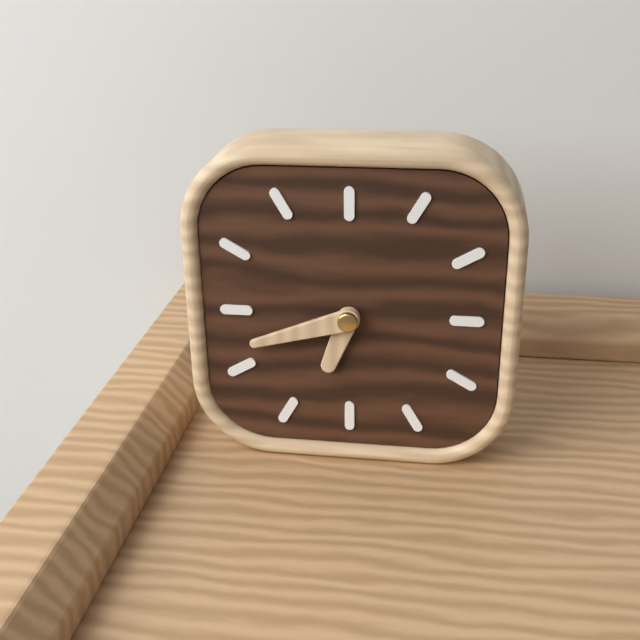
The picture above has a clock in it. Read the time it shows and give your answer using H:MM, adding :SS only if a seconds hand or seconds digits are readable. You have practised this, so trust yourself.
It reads 6:42
